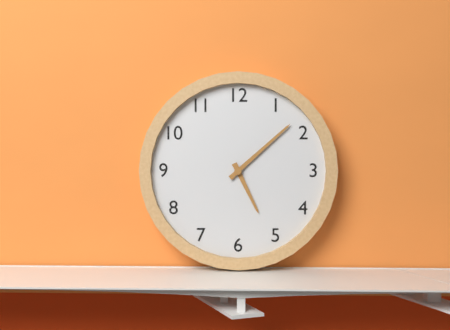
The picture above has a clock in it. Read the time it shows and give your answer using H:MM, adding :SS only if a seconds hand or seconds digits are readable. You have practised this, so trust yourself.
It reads 5:08
